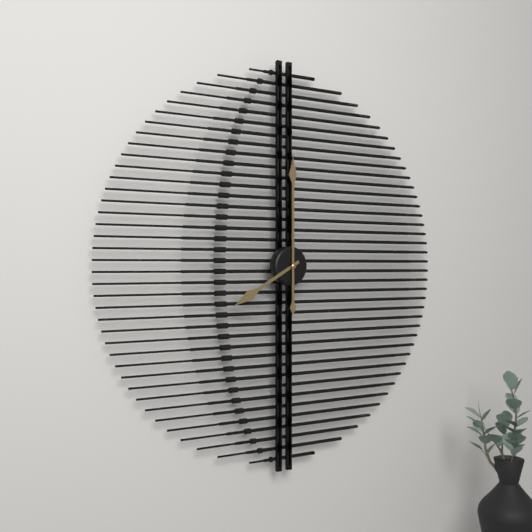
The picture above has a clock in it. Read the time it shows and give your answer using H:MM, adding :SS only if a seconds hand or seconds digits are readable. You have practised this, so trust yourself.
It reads 8:00
